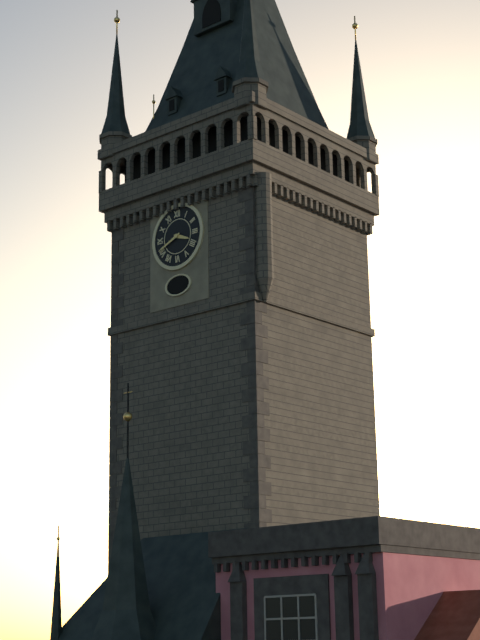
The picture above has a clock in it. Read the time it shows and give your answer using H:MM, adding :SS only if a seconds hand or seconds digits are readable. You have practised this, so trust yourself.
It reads 3:41
